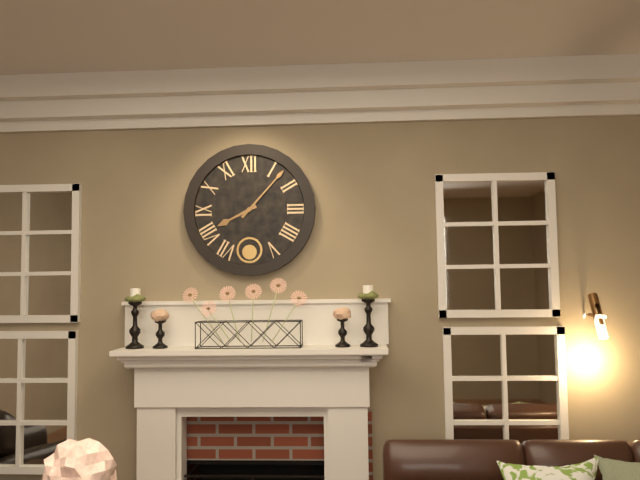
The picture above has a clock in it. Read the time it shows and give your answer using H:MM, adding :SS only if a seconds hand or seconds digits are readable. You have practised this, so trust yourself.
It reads 8:07
